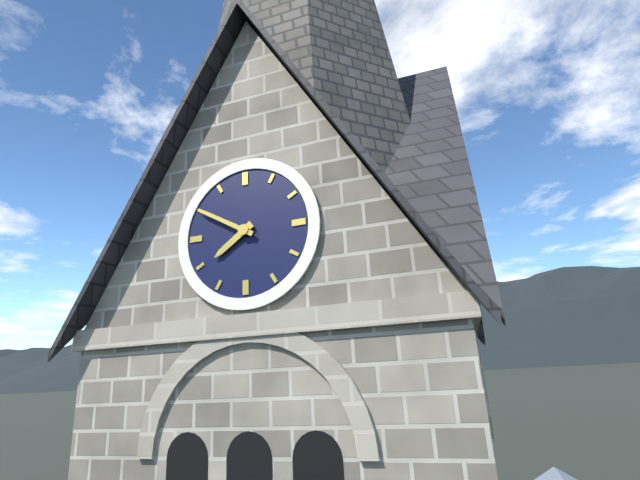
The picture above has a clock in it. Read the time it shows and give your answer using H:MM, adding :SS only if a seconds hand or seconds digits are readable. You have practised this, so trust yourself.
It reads 7:50
